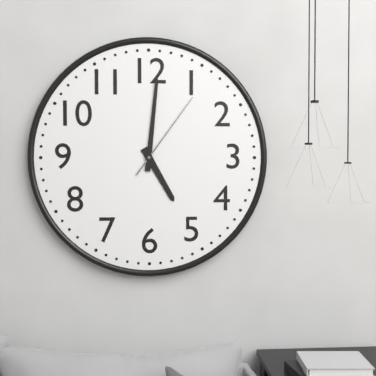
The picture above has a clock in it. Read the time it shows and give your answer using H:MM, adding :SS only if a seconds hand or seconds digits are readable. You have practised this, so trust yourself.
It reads 5:01:06
